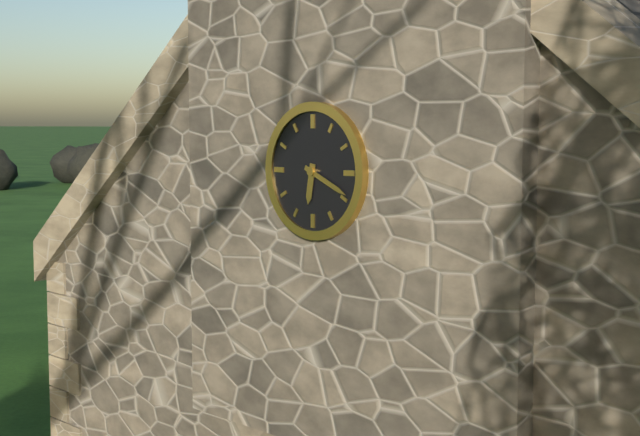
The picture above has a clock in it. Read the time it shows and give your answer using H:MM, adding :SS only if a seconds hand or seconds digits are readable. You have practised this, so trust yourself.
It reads 6:19
